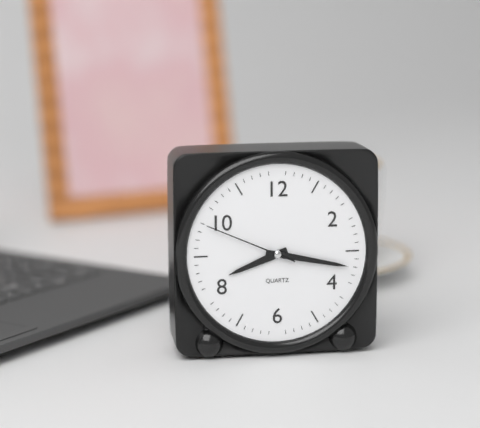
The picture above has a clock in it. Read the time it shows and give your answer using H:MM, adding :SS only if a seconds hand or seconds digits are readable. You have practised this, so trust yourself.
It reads 8:17:49
